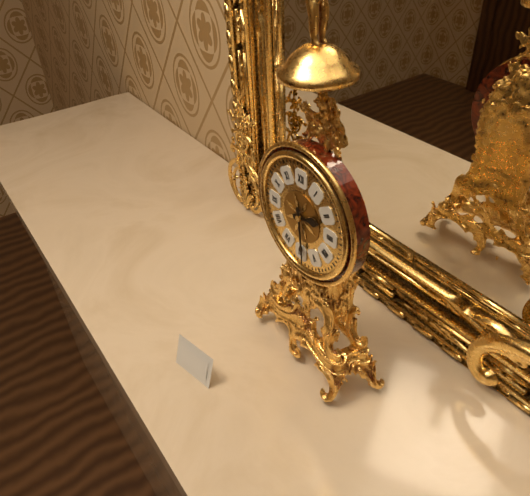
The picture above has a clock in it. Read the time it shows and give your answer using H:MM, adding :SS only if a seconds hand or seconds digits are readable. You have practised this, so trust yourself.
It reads 2:29
